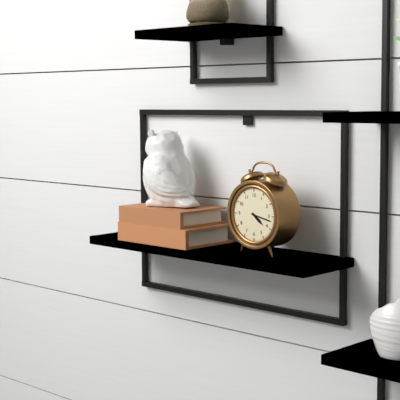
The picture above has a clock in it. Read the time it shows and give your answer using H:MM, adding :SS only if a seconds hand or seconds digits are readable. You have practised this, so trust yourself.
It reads 4:17
